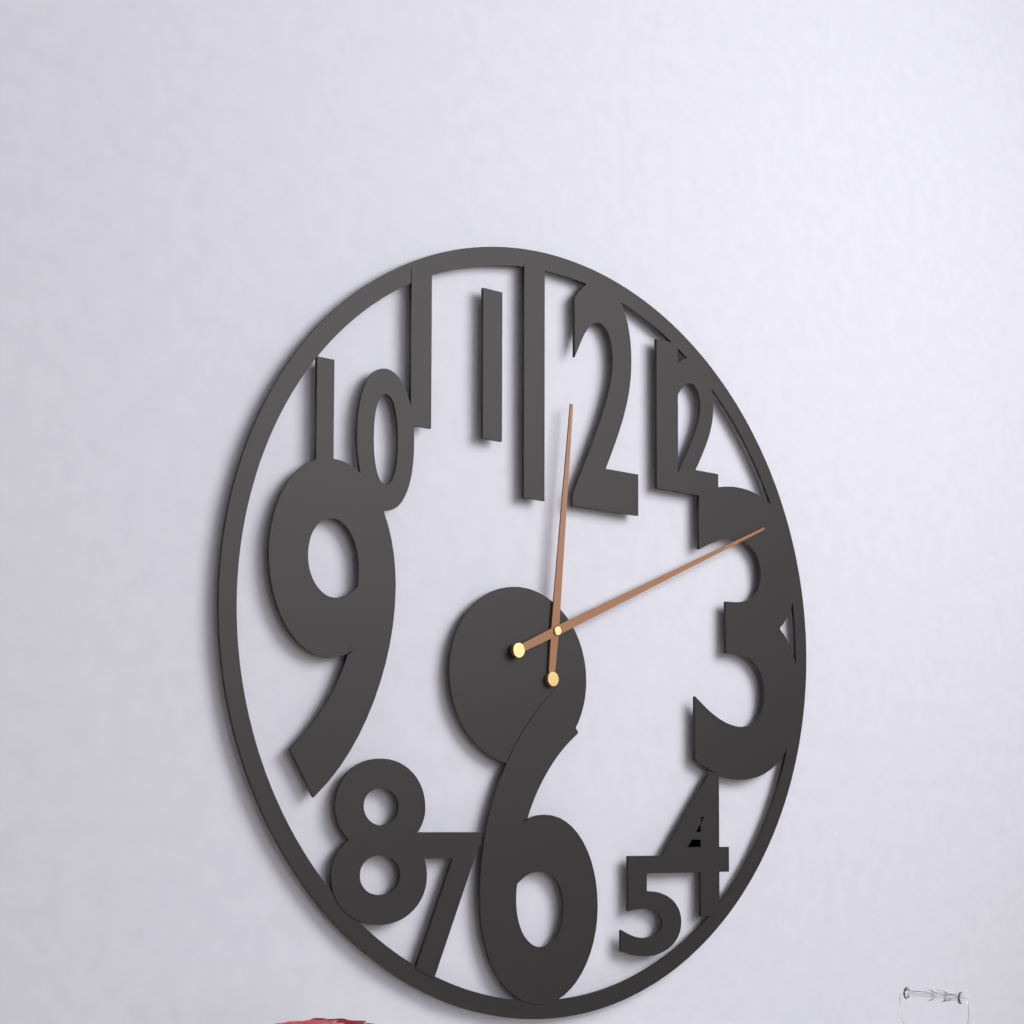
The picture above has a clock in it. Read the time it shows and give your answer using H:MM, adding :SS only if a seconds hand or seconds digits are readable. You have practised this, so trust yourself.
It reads 12:11
